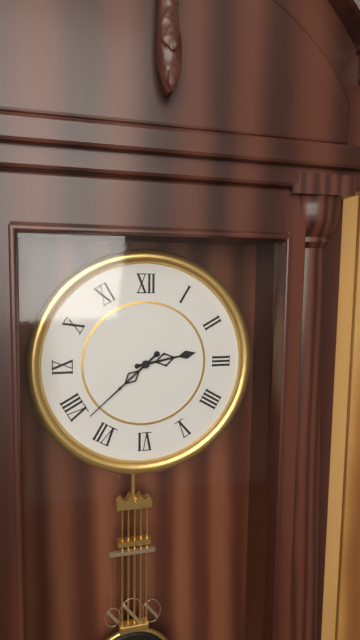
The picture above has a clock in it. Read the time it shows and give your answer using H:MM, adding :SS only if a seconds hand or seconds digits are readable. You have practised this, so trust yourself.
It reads 2:38
